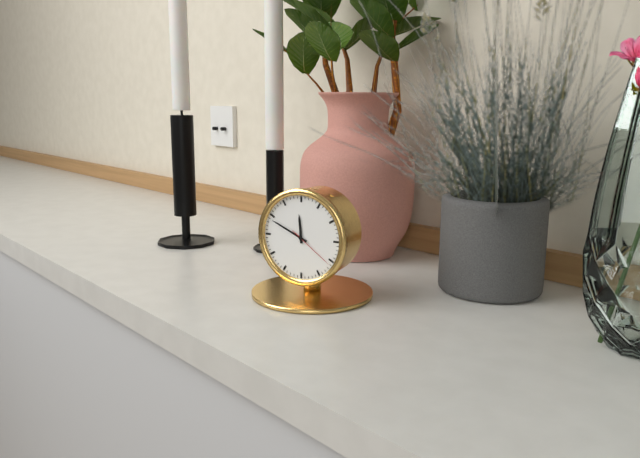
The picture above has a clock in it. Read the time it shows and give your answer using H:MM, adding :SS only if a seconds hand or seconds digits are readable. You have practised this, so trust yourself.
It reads 11:49
